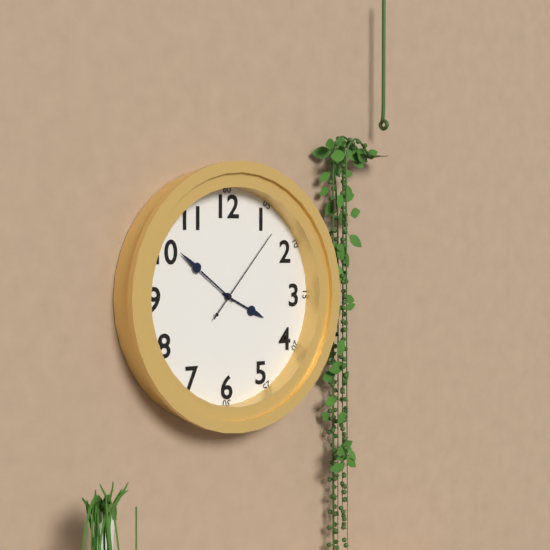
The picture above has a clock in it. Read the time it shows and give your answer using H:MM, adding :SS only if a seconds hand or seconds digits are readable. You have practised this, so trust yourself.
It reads 3:51:07
